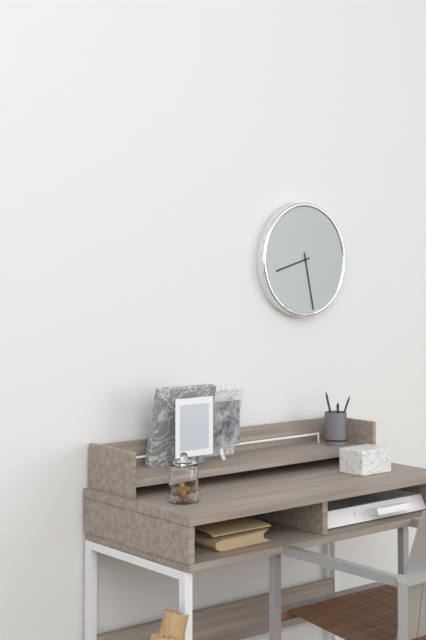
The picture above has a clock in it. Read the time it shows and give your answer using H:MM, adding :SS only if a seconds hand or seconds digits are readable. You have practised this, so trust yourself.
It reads 8:28
